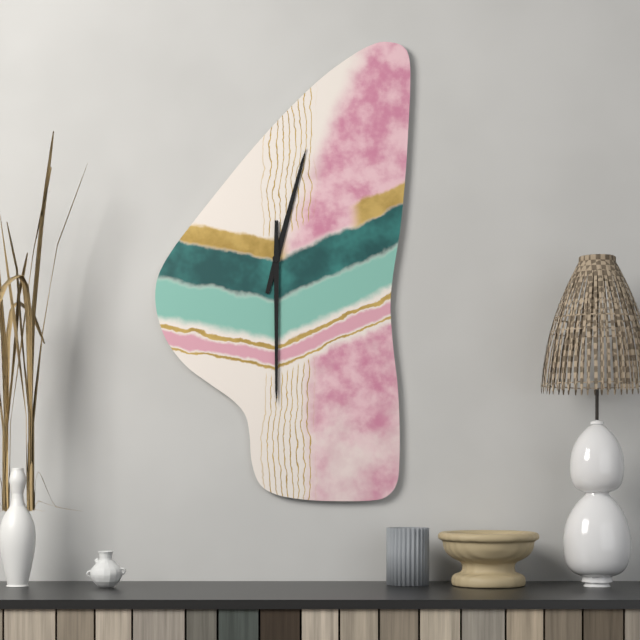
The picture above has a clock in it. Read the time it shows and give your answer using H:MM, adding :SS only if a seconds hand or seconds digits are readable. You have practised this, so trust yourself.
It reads 12:30
